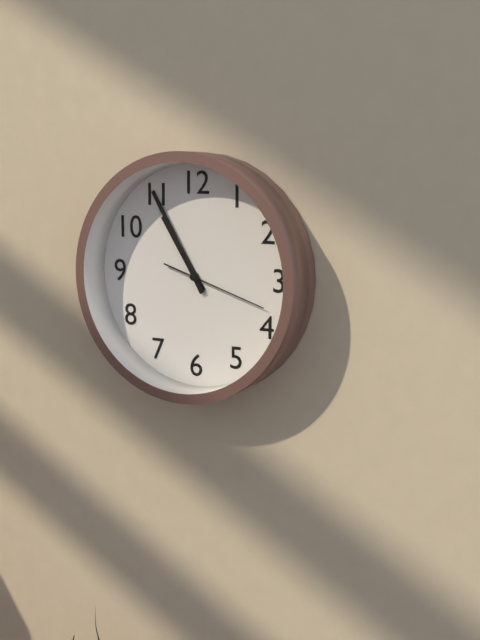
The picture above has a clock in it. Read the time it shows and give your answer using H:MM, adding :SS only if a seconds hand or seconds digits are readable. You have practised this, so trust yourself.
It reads 10:55:18
